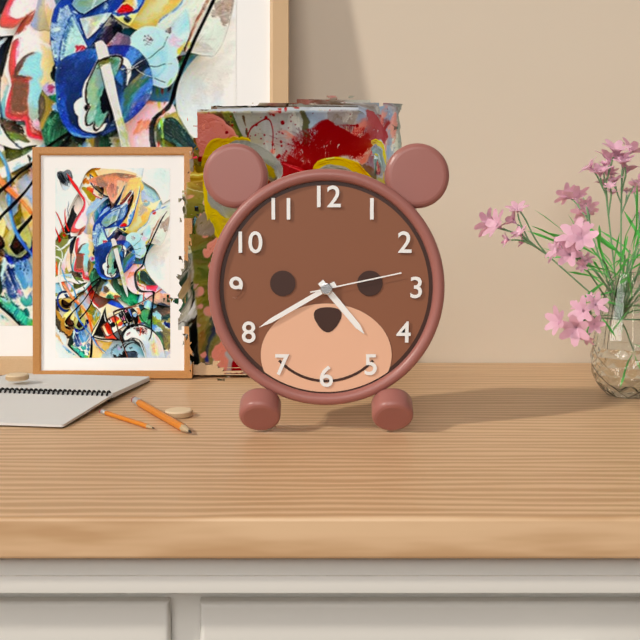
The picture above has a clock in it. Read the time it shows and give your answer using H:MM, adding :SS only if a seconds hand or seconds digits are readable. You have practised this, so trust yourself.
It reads 4:40:13
